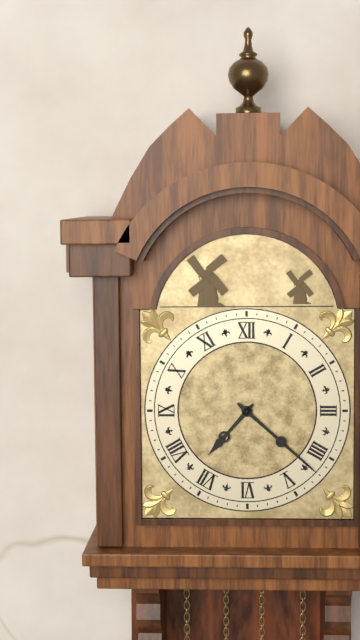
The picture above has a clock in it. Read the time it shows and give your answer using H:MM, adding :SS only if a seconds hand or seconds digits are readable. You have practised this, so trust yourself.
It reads 7:22
